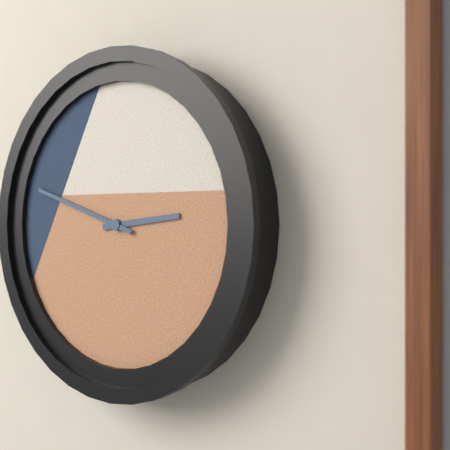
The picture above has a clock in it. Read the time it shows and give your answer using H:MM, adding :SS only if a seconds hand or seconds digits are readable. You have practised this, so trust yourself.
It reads 2:48
